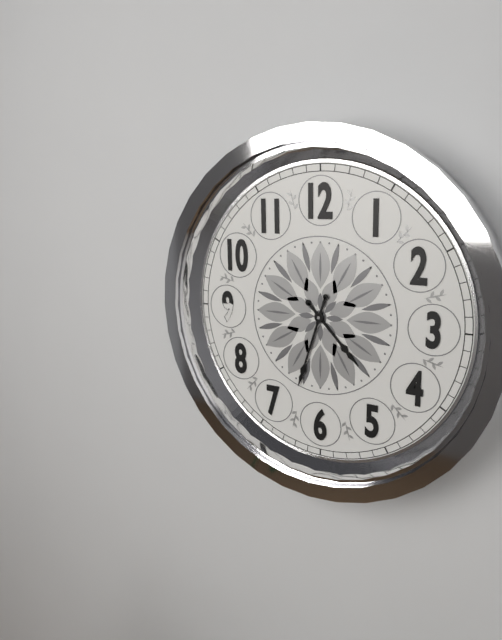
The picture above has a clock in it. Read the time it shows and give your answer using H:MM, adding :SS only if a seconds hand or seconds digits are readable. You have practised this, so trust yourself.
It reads 4:33
